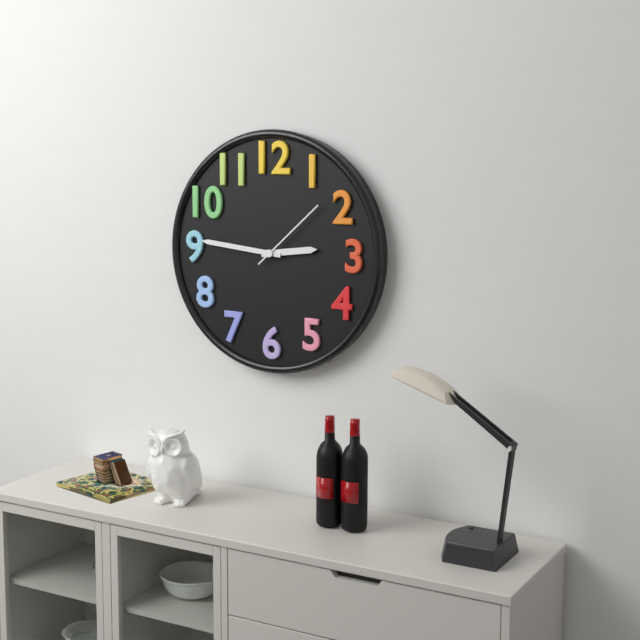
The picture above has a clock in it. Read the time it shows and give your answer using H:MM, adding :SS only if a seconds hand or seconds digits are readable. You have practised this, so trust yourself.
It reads 2:46:08
